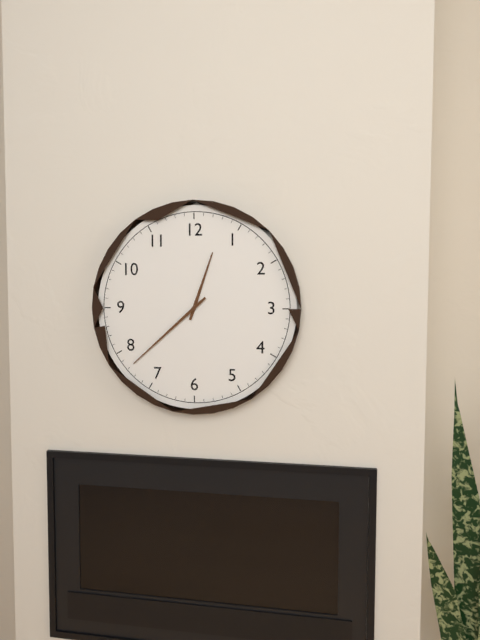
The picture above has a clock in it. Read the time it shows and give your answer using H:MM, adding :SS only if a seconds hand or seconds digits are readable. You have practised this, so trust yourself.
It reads 12:38
